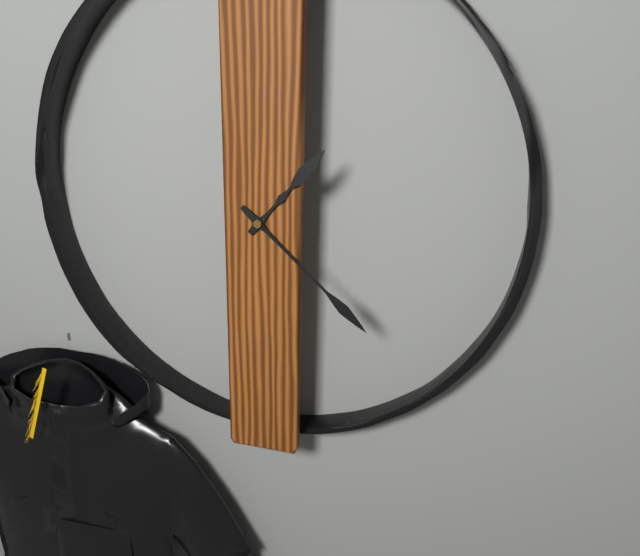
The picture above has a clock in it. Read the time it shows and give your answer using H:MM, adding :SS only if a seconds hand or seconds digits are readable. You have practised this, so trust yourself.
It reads 1:22
